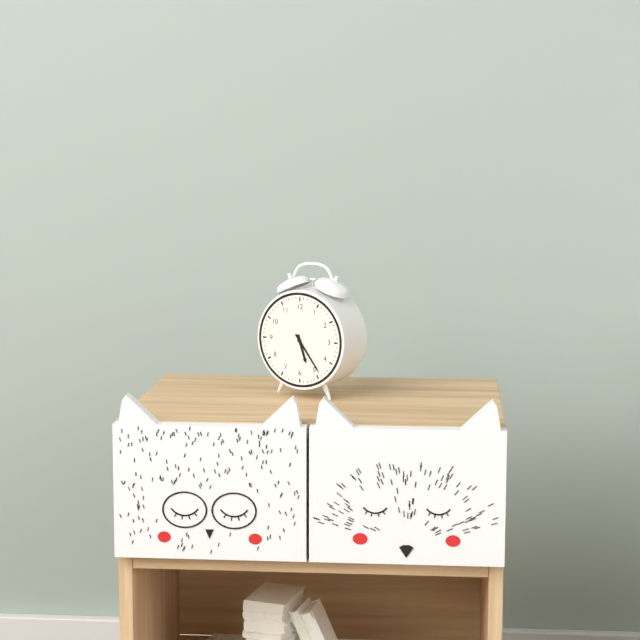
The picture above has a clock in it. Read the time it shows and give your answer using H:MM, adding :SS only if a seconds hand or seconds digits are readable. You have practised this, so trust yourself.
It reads 5:24
